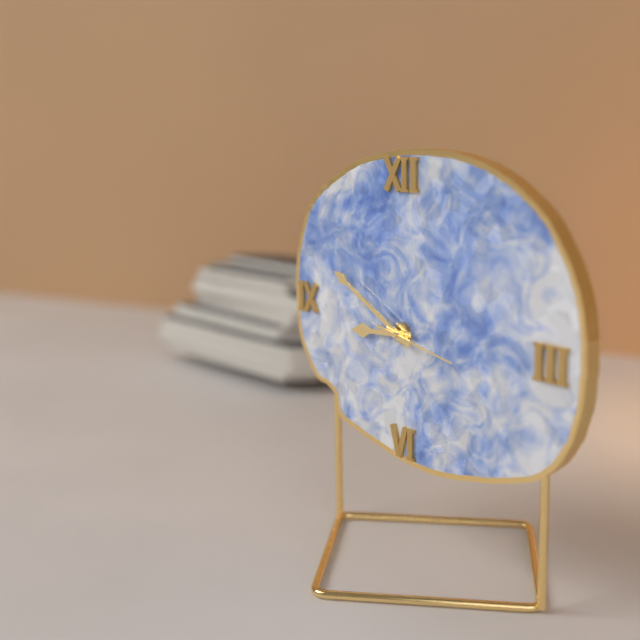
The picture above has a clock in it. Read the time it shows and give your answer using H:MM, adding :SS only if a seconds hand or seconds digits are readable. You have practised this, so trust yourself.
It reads 8:50:17
